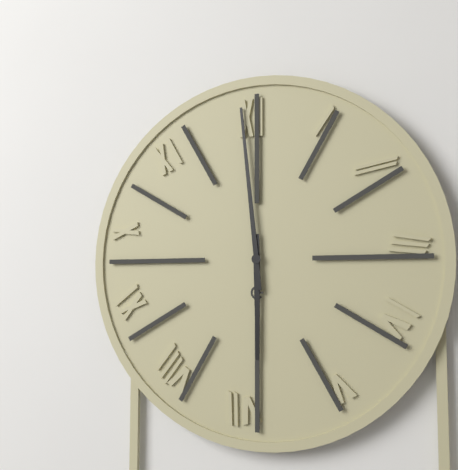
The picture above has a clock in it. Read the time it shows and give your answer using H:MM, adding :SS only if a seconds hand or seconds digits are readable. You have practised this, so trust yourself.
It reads 5:59
